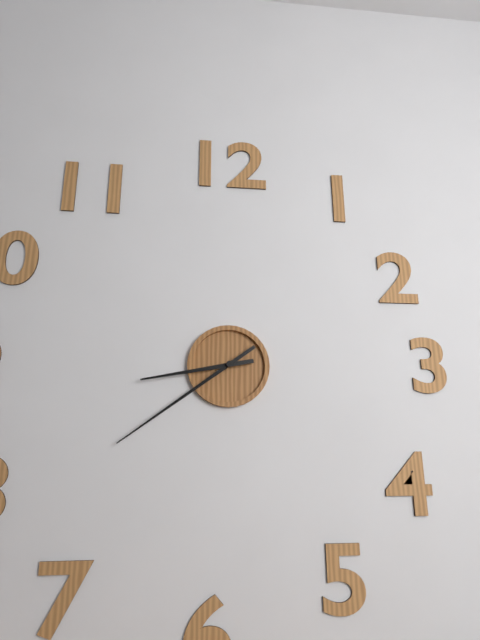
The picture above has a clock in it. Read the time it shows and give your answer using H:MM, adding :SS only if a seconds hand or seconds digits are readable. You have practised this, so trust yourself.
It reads 8:39:39
